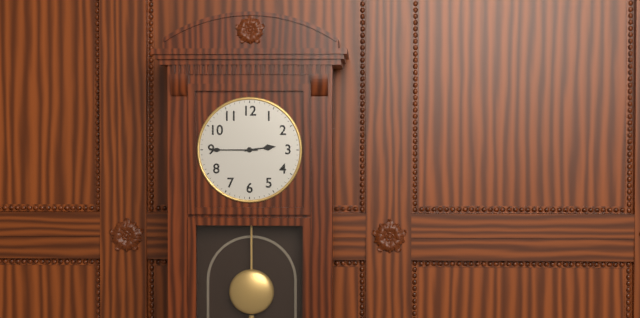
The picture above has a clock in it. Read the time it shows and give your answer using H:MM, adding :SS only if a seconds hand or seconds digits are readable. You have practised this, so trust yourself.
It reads 2:45
